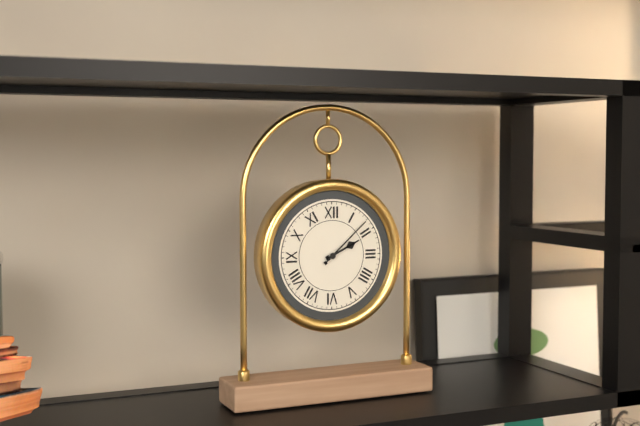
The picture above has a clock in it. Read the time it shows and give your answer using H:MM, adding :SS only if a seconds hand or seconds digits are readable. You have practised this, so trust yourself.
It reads 2:08
